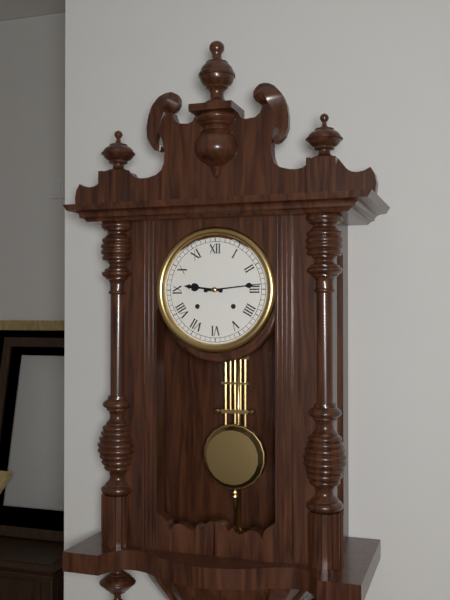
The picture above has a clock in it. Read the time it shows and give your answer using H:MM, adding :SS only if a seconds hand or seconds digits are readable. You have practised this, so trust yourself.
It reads 9:14
